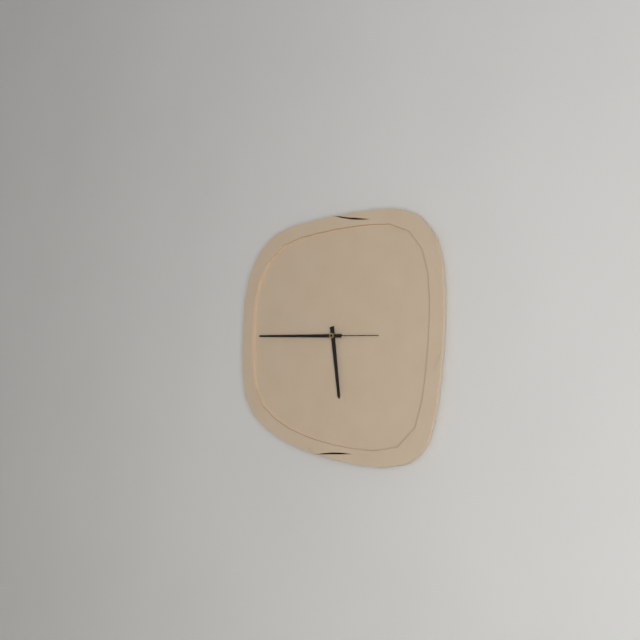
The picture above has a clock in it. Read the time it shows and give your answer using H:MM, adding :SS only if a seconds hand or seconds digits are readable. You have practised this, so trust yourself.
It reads 5:46:16
